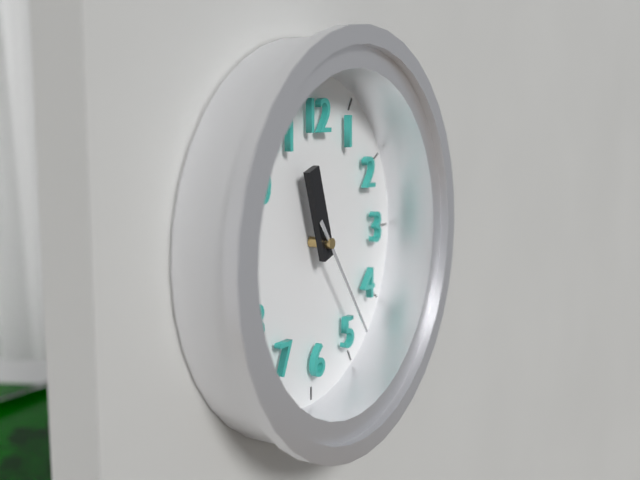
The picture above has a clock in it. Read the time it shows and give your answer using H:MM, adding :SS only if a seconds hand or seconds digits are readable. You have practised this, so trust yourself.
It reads 11:24
